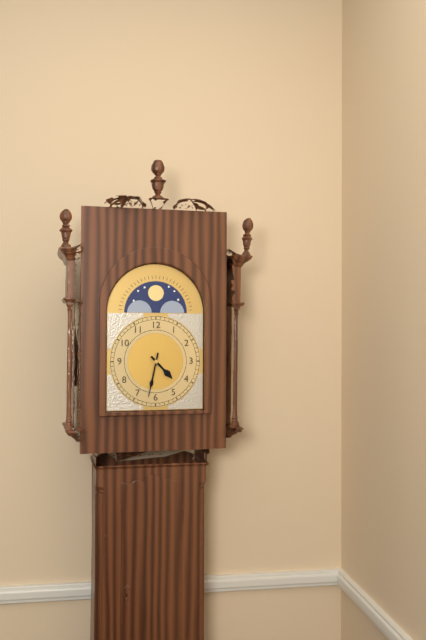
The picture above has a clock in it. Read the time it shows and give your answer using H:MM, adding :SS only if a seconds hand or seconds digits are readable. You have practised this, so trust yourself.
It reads 4:32
